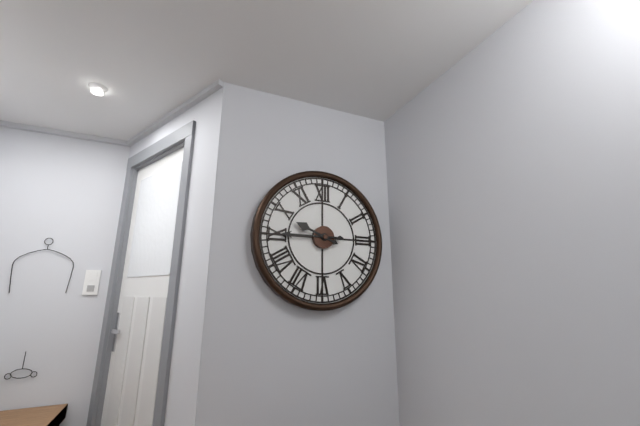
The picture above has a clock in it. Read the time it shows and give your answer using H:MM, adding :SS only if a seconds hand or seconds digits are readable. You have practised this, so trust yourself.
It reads 9:45
